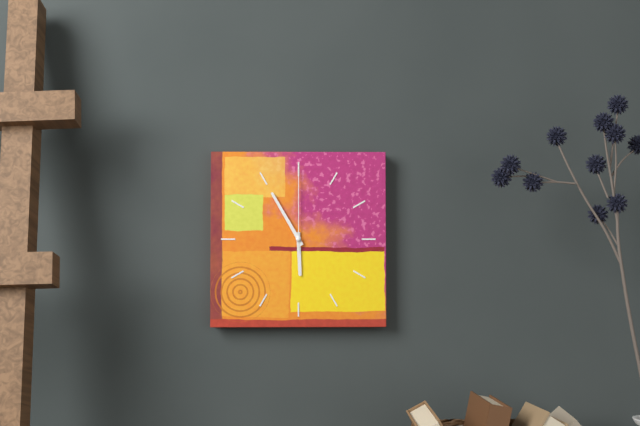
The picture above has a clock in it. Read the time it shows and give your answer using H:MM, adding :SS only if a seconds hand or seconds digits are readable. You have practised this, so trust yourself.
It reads 5:55:00
